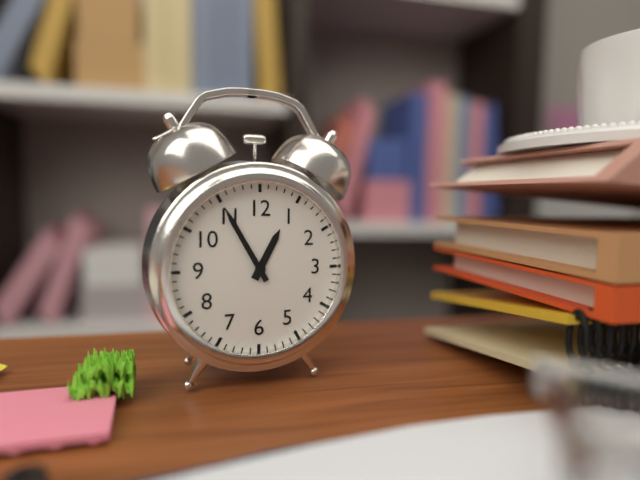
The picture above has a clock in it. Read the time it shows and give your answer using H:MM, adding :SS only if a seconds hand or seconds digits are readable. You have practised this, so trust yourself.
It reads 12:55
